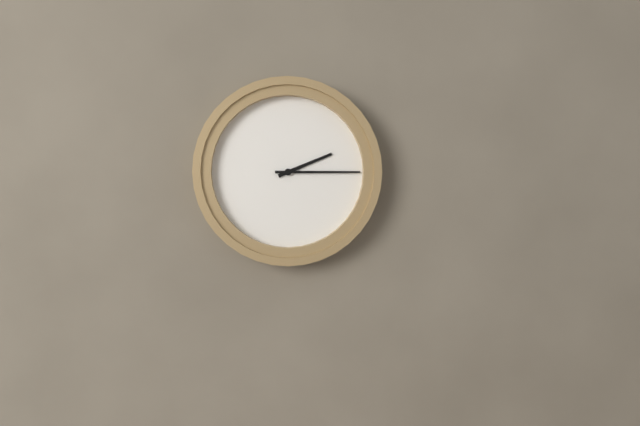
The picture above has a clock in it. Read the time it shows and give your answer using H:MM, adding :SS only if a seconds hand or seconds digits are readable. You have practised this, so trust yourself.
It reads 2:15
